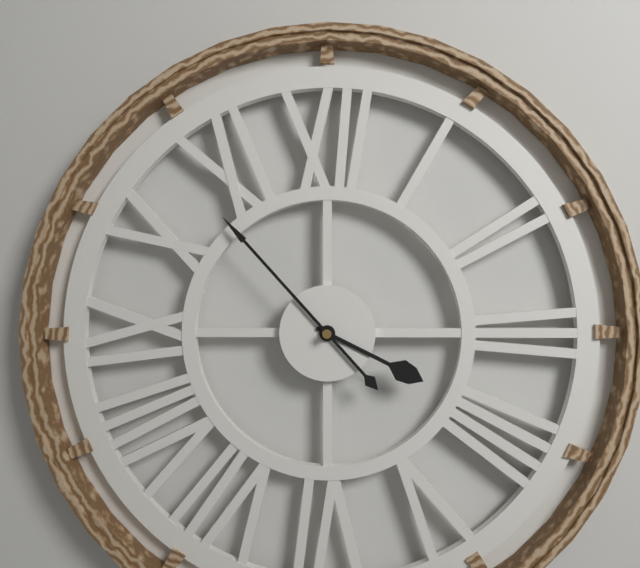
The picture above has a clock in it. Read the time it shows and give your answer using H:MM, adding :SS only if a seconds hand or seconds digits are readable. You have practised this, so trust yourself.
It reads 3:53
